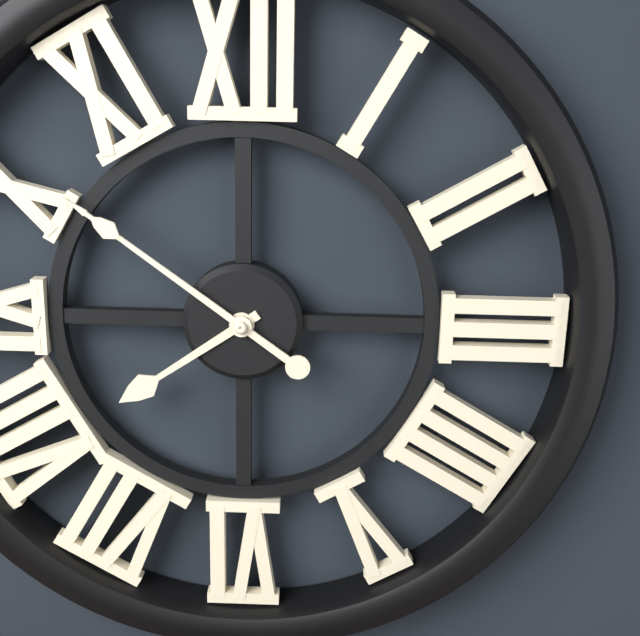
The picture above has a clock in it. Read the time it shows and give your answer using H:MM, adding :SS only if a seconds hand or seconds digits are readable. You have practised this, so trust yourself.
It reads 7:51
